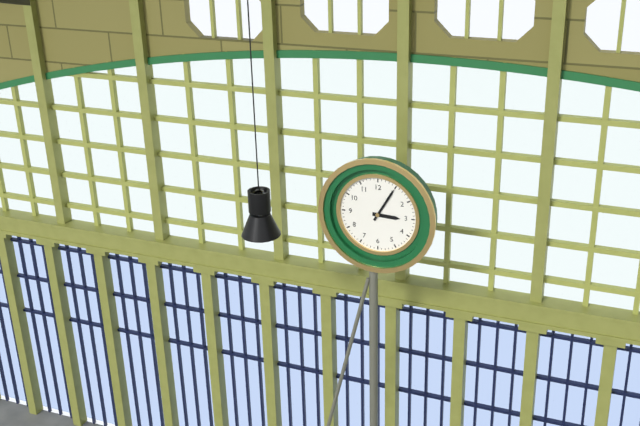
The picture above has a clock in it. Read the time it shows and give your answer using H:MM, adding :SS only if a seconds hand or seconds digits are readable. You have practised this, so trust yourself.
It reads 3:05
